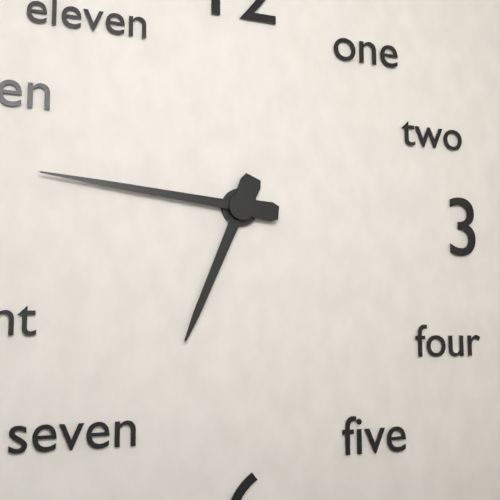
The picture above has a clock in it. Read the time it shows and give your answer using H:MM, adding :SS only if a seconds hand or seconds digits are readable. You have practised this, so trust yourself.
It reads 6:46
